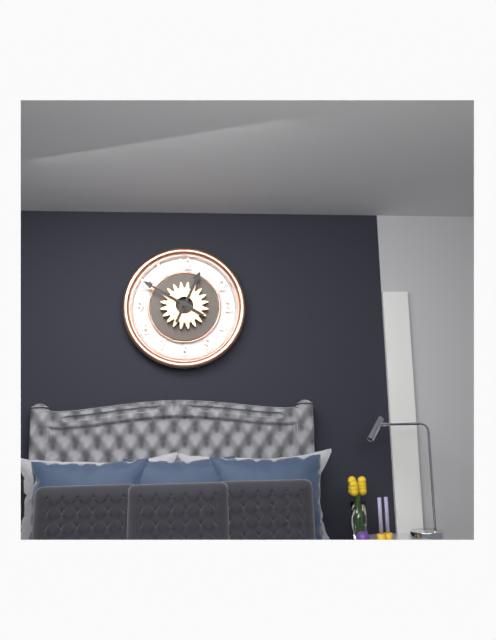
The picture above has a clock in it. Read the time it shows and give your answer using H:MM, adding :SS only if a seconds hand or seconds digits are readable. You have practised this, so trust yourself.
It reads 12:50
